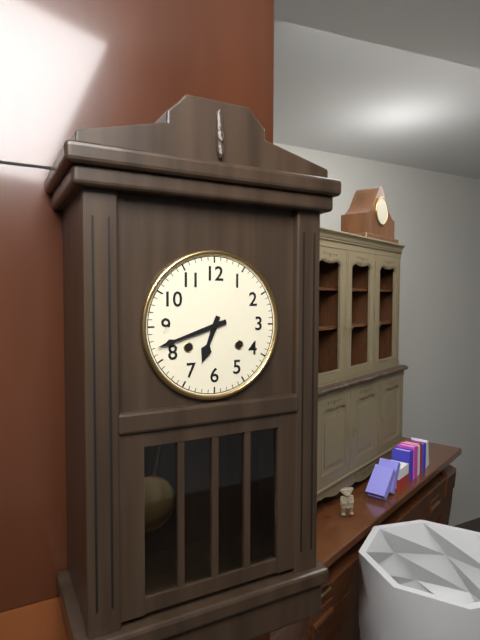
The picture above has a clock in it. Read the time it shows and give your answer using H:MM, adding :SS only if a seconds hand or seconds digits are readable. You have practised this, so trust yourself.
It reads 6:42
